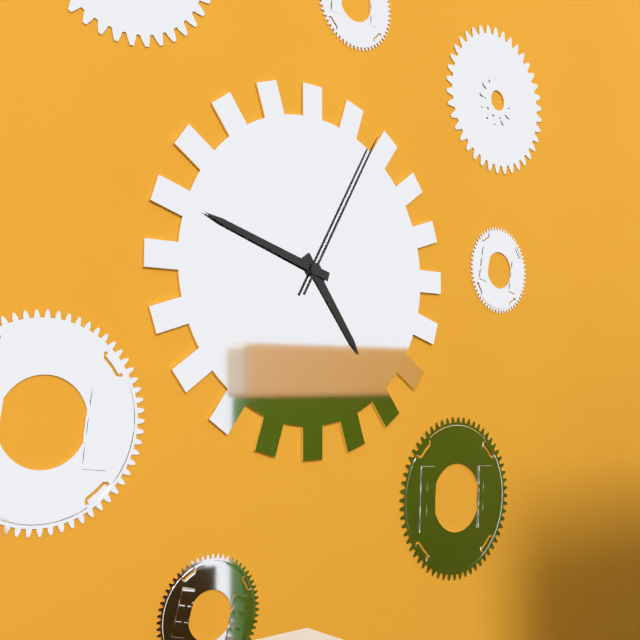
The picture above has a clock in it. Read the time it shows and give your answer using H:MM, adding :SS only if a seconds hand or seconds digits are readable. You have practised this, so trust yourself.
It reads 4:48:05
